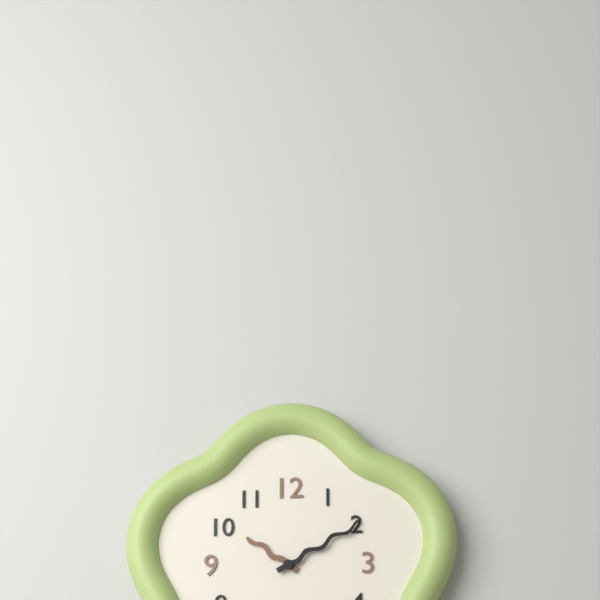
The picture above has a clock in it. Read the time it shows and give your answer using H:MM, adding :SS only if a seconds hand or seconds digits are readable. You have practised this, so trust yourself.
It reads 10:10
